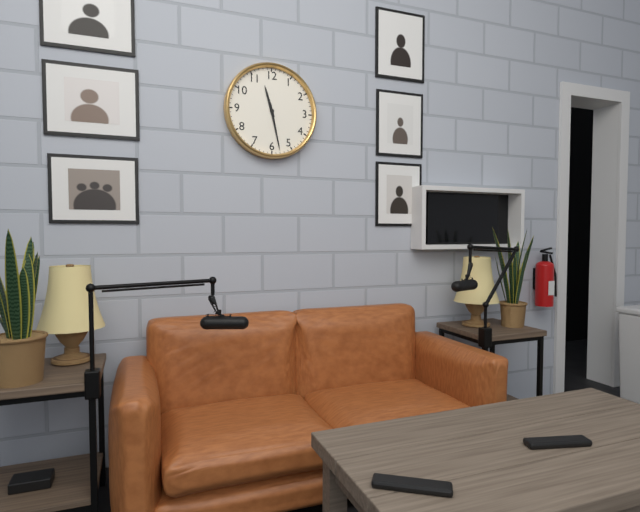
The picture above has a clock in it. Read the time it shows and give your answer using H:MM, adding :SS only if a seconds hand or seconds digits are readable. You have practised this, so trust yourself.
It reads 11:28
